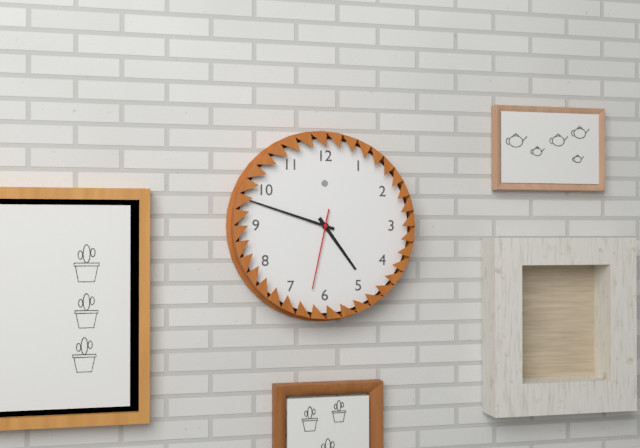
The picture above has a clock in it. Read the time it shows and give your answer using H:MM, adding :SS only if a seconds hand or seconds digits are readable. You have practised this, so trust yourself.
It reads 4:48:32
